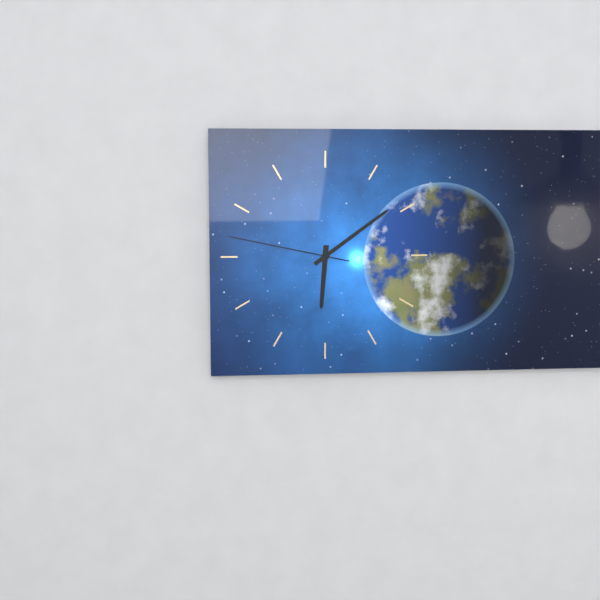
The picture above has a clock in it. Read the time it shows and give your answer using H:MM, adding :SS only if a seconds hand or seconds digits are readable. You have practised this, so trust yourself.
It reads 6:09:47
